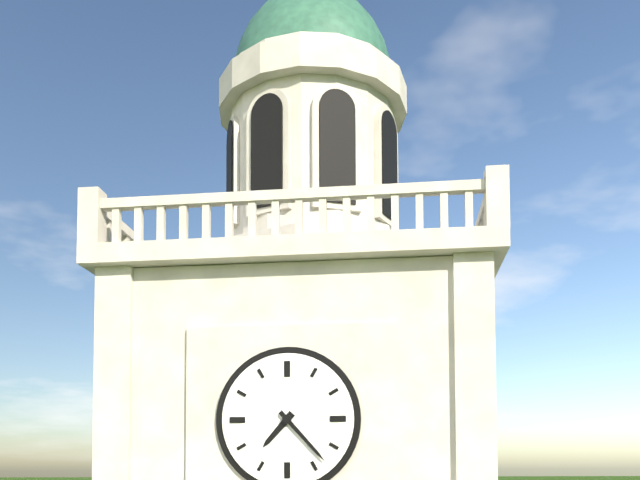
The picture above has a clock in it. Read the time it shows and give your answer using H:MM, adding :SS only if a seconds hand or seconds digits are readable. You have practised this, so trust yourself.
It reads 7:23
